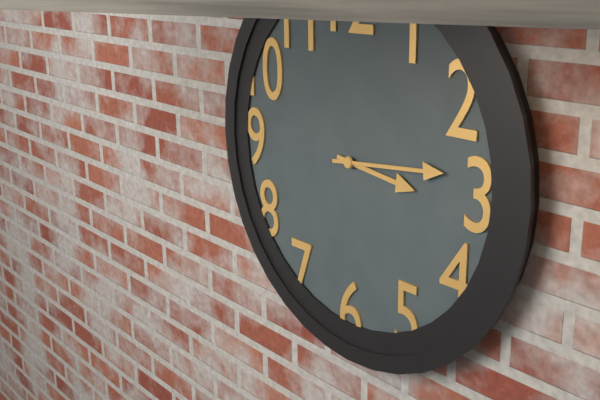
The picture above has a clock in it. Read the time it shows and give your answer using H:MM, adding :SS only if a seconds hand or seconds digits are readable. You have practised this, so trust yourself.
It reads 3:14
